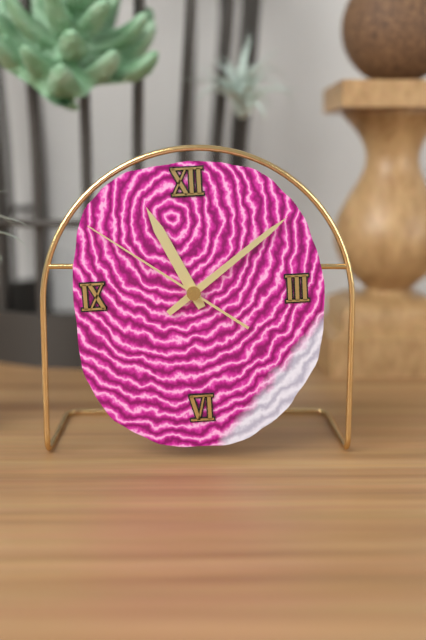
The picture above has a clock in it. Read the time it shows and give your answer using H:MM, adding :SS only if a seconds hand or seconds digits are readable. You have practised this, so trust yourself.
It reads 11:09:51
